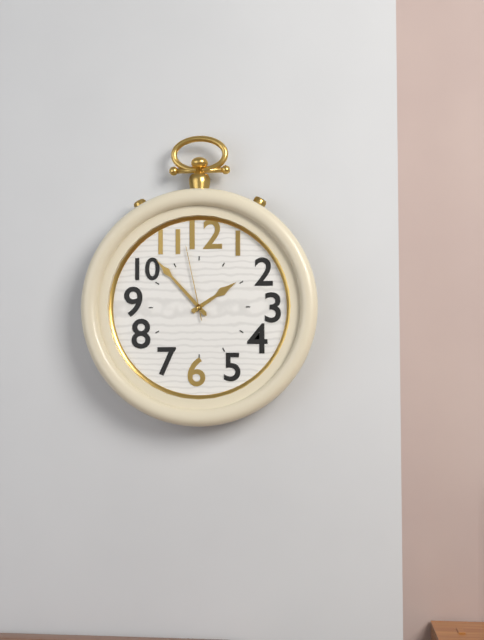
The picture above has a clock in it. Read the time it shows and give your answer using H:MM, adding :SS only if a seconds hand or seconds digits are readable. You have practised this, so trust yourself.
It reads 1:53:58
